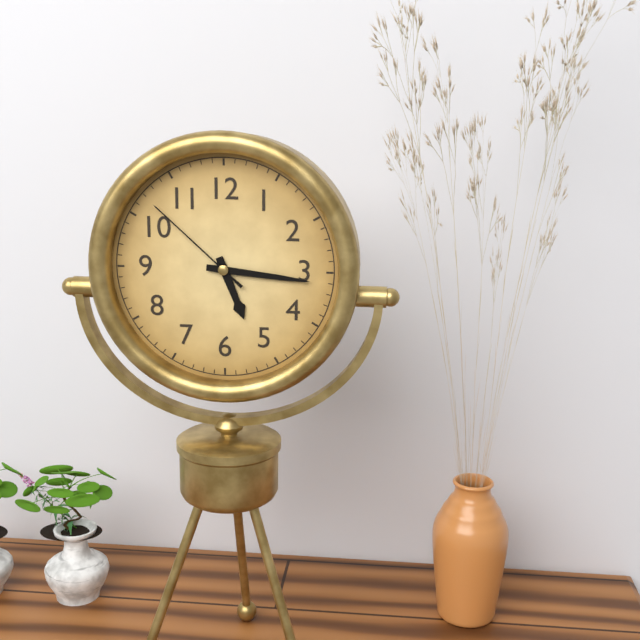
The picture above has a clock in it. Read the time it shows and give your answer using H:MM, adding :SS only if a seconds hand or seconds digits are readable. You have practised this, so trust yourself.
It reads 5:16:52
